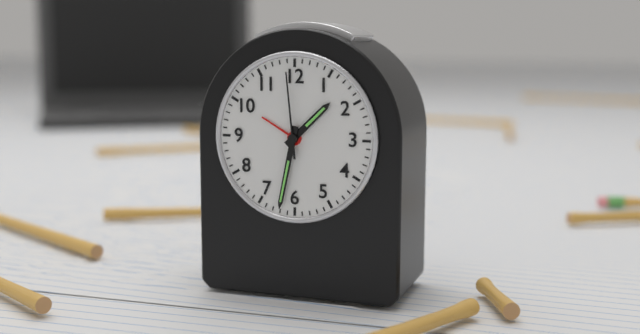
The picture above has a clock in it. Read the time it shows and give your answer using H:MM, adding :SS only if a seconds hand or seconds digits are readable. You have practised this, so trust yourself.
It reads 1:32:59
